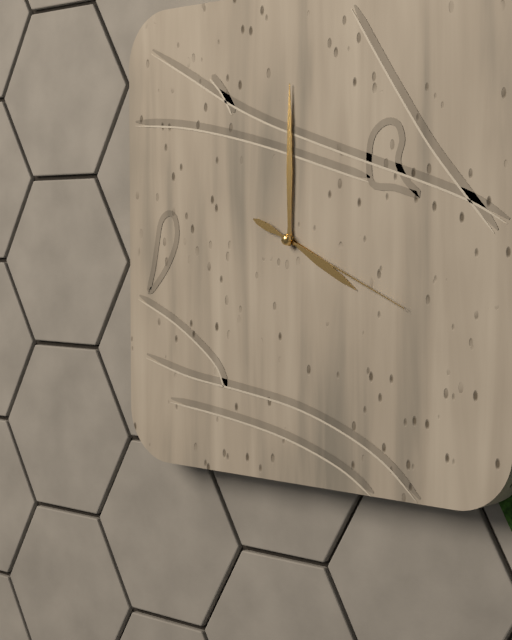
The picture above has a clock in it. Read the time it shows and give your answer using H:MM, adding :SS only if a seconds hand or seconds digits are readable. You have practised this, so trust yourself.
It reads 4:00:19
